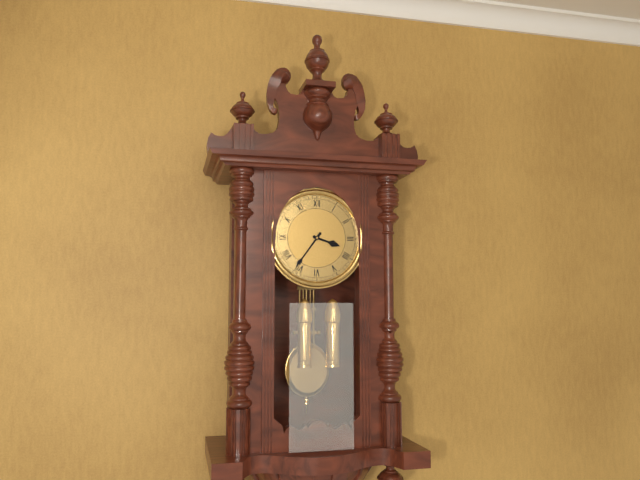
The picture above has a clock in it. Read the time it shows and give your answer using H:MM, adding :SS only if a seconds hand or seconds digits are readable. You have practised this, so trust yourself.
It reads 3:36
